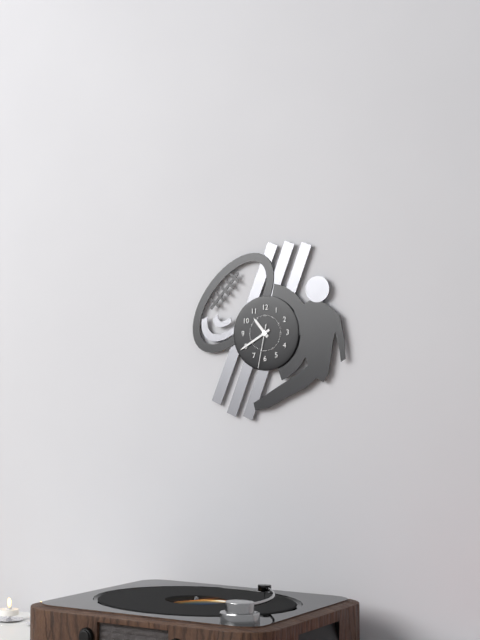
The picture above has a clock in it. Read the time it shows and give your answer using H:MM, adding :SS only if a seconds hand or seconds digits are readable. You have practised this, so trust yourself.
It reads 10:40
